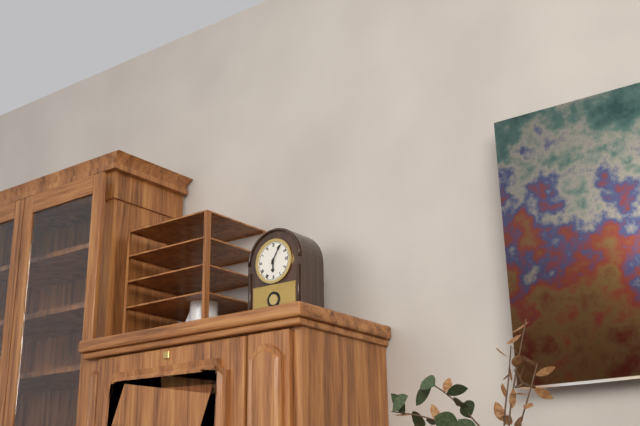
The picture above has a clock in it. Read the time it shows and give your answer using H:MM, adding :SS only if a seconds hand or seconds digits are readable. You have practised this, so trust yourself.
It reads 6:05
